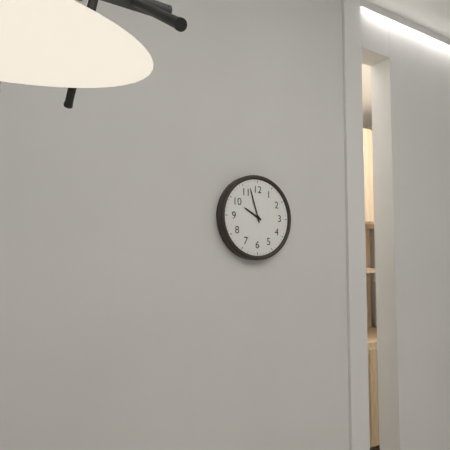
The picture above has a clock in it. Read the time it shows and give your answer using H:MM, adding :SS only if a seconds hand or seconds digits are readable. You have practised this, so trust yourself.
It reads 9:57
